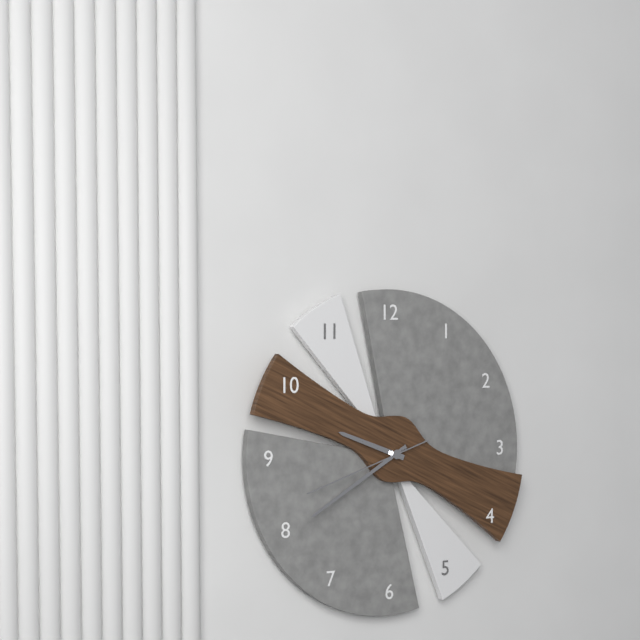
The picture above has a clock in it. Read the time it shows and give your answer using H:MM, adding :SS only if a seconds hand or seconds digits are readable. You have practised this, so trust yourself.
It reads 9:40:42
